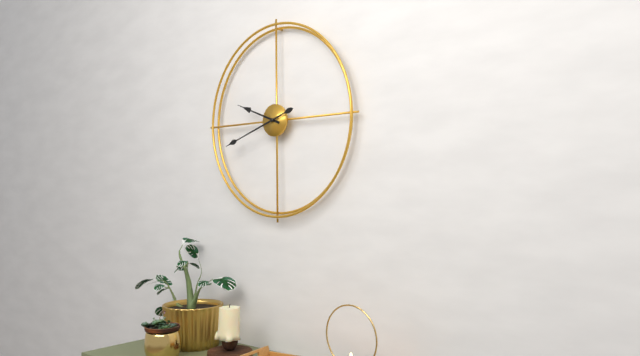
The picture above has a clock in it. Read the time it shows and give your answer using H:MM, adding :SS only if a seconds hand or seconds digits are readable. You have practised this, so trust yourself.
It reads 9:42
